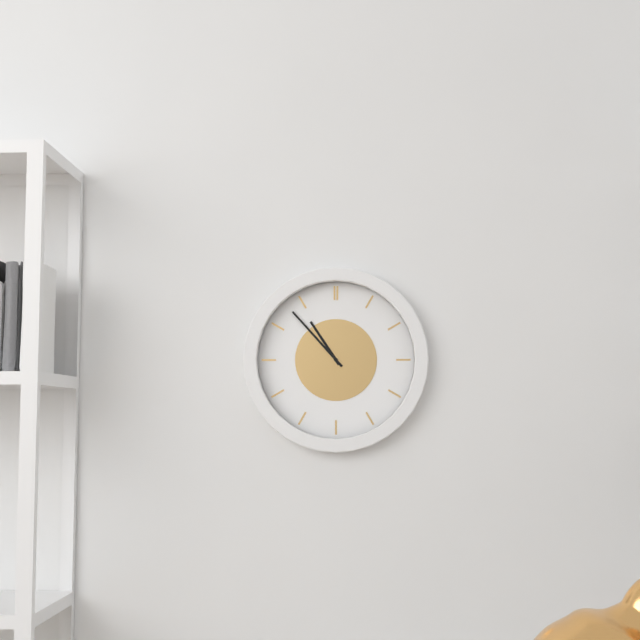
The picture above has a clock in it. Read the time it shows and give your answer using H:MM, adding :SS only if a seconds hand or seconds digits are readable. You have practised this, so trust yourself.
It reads 10:53
